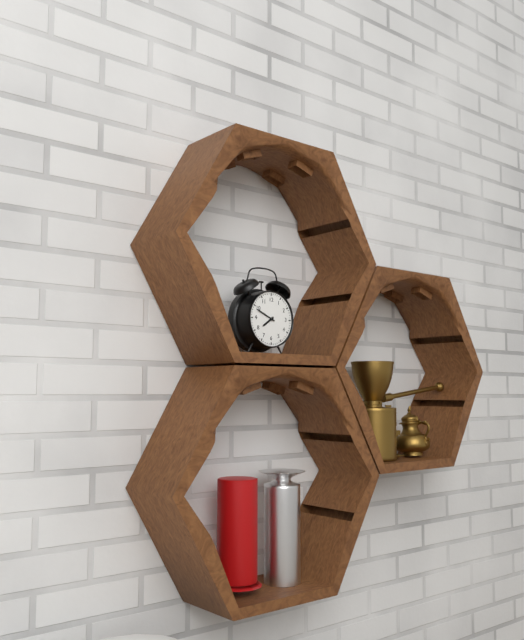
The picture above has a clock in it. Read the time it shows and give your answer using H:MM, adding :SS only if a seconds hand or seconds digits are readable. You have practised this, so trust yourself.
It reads 7:49
